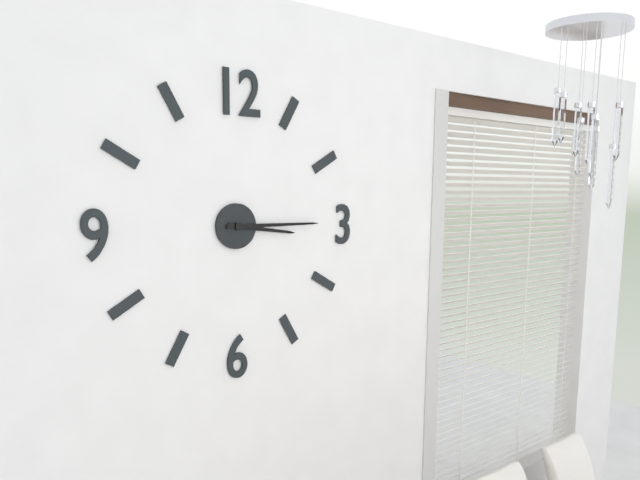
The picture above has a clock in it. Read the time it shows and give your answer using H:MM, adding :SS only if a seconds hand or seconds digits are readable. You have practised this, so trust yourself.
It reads 3:15
